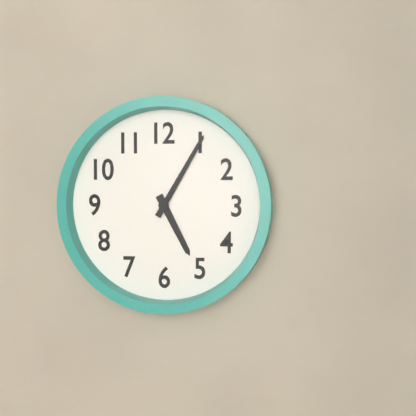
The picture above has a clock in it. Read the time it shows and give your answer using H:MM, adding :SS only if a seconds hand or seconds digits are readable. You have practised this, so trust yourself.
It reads 5:05
